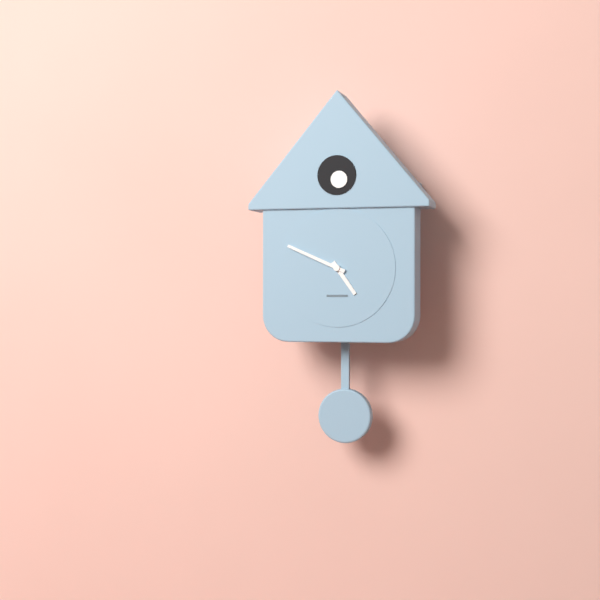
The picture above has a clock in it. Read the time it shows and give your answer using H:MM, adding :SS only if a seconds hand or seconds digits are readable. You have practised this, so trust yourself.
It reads 4:49
